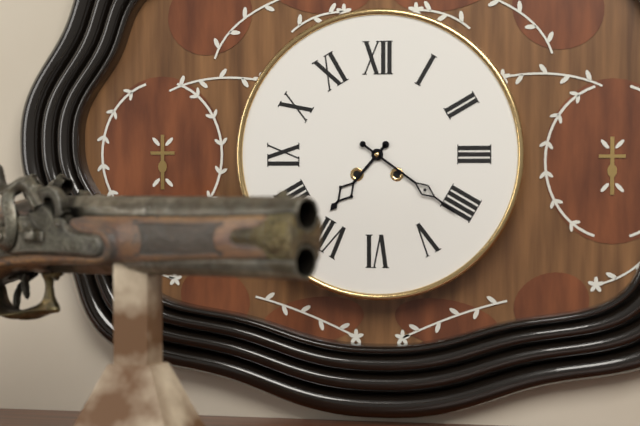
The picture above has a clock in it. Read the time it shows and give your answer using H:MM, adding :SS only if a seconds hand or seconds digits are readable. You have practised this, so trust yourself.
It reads 7:21
